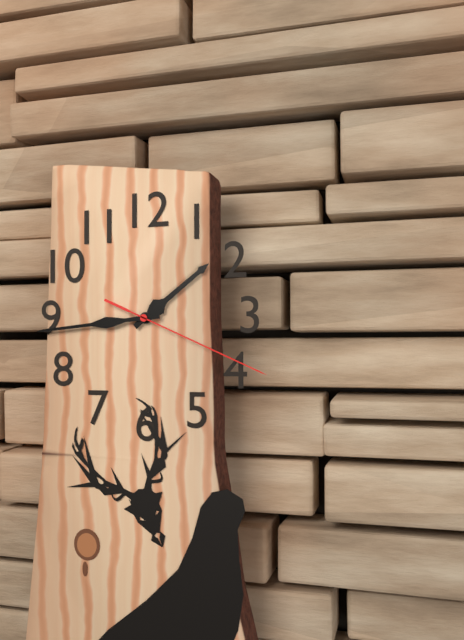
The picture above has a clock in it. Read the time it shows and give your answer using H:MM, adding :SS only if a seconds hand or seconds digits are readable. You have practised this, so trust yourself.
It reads 1:44:19
